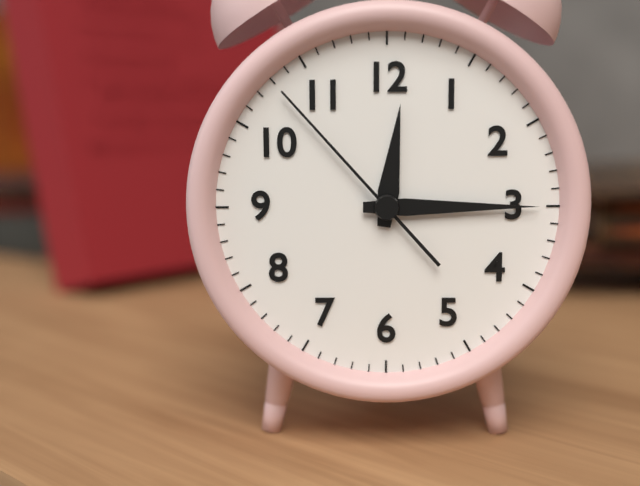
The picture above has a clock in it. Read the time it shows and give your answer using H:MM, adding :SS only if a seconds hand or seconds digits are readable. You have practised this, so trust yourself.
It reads 12:15:53
